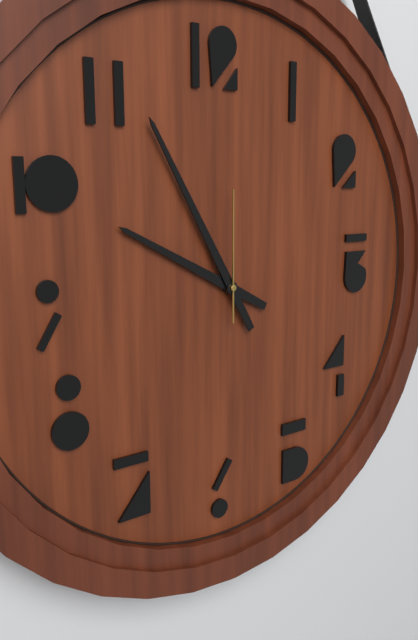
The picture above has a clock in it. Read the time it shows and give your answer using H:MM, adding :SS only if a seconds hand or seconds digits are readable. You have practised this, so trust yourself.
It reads 9:55:00
